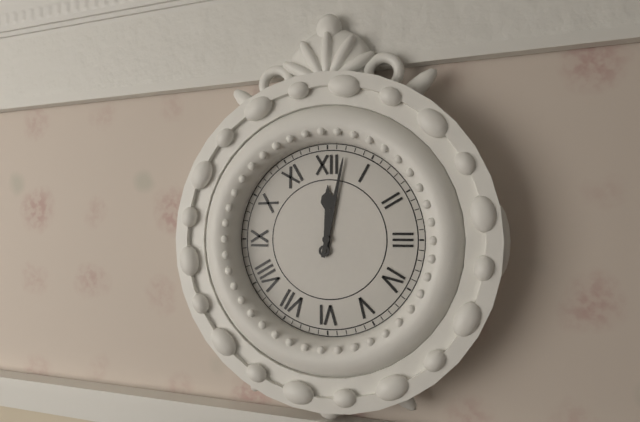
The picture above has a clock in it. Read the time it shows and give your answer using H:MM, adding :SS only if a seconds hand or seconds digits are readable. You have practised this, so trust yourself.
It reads 12:02
